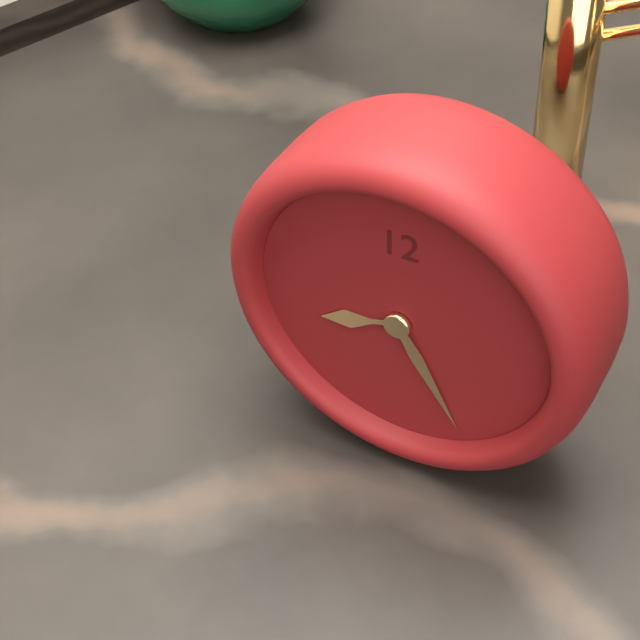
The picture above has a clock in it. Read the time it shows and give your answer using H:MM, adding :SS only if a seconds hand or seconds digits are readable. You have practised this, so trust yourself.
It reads 8:25
